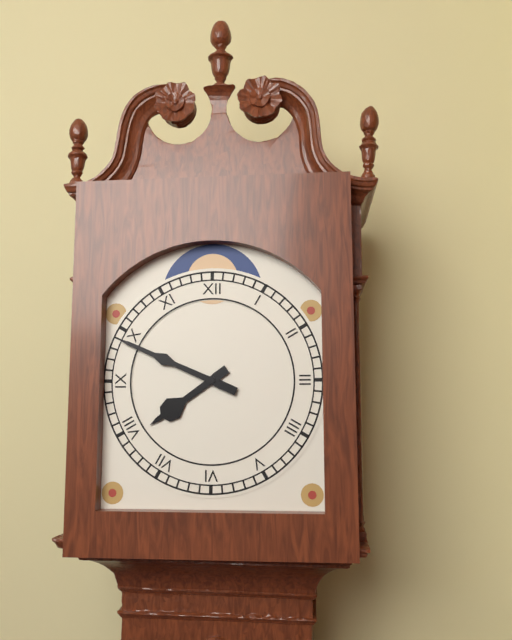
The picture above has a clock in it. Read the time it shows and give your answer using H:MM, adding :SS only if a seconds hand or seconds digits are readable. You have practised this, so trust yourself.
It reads 7:49
